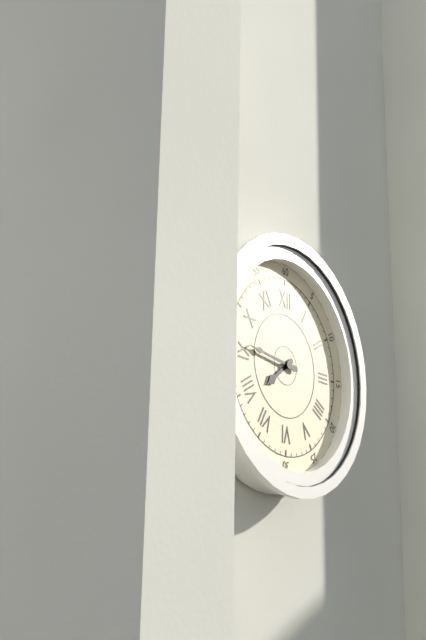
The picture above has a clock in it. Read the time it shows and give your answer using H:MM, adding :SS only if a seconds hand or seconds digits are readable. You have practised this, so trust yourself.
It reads 7:46
